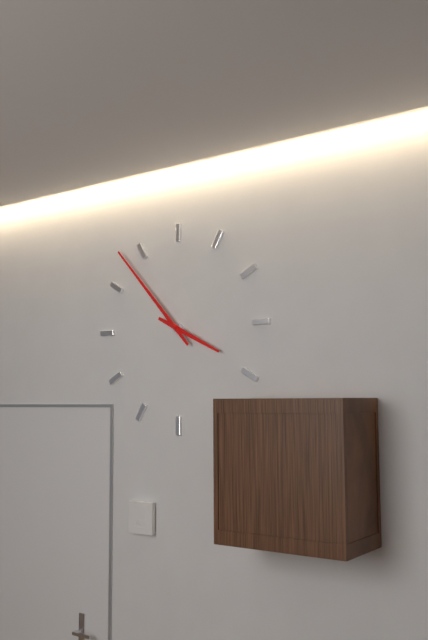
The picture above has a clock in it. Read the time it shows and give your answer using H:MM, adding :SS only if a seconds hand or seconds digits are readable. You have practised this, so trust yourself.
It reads 3:53
